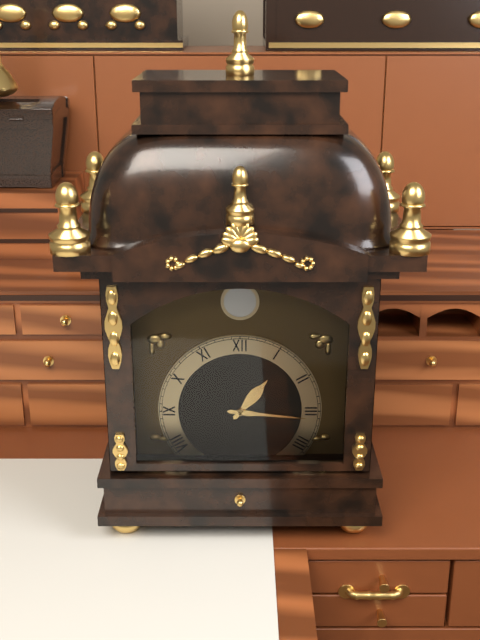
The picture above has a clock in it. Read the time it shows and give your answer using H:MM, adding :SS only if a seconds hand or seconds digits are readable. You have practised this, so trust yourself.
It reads 1:16
